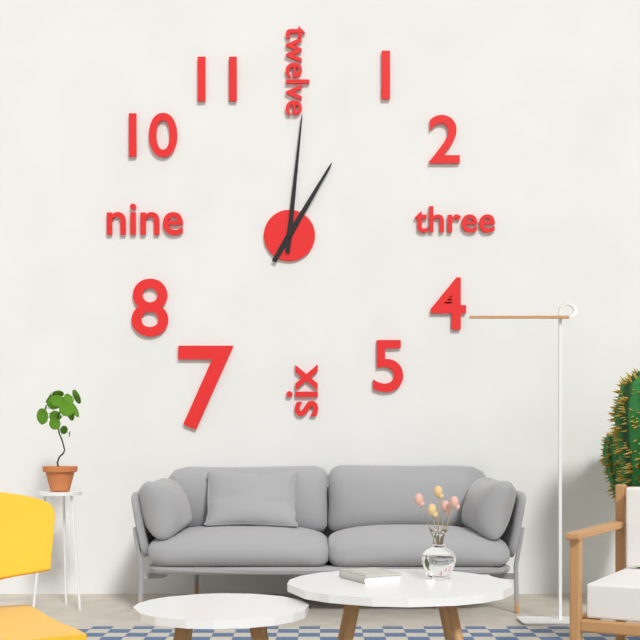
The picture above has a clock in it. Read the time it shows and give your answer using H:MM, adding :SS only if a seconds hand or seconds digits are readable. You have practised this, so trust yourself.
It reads 1:01
